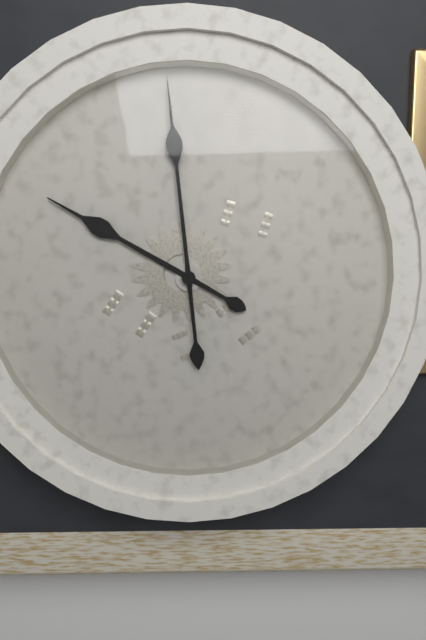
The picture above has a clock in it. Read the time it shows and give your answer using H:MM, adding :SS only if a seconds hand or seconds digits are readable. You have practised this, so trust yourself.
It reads 9:59
